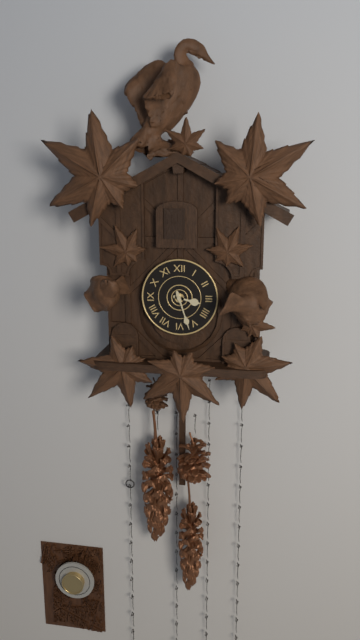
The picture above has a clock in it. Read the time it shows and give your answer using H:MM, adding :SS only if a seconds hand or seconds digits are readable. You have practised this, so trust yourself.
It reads 3:27
